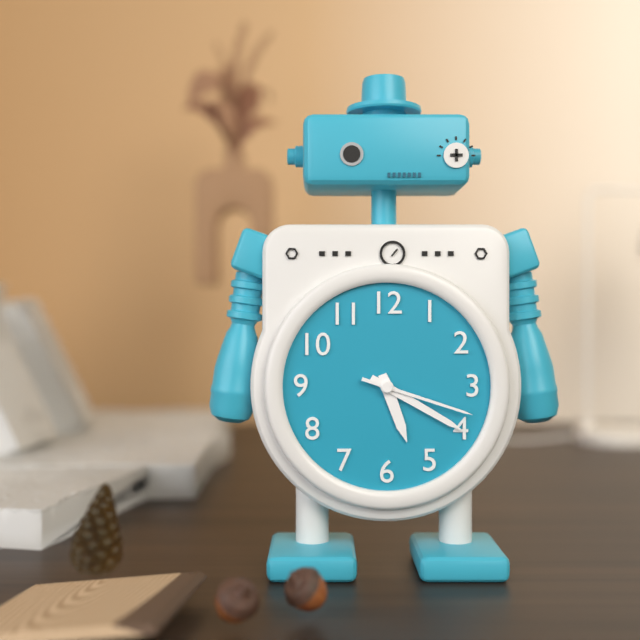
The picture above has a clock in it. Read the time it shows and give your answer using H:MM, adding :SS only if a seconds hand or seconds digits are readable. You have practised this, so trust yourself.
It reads 5:20:18
